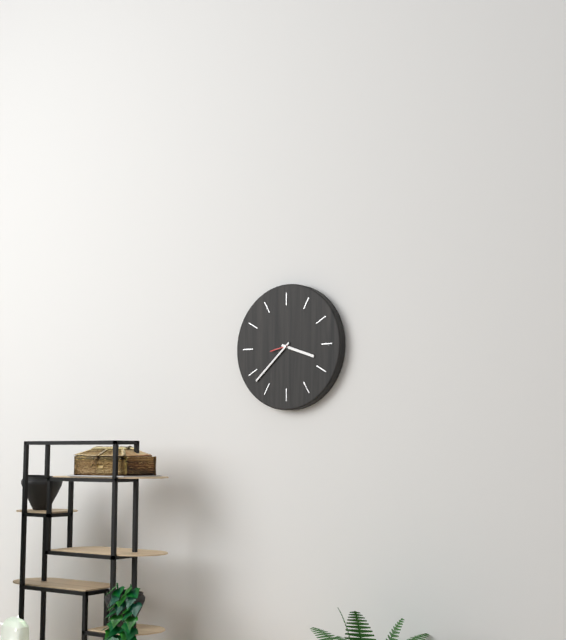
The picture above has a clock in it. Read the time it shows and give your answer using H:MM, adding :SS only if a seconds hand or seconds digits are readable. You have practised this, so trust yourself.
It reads 3:38
